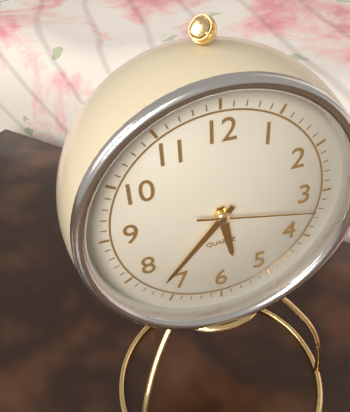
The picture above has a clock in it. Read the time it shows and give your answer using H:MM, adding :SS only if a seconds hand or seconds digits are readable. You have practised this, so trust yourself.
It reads 5:37:17
